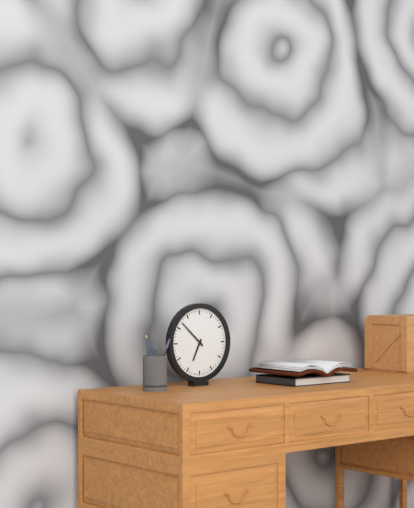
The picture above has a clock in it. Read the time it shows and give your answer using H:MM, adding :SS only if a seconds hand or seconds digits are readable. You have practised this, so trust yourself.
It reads 6:52
